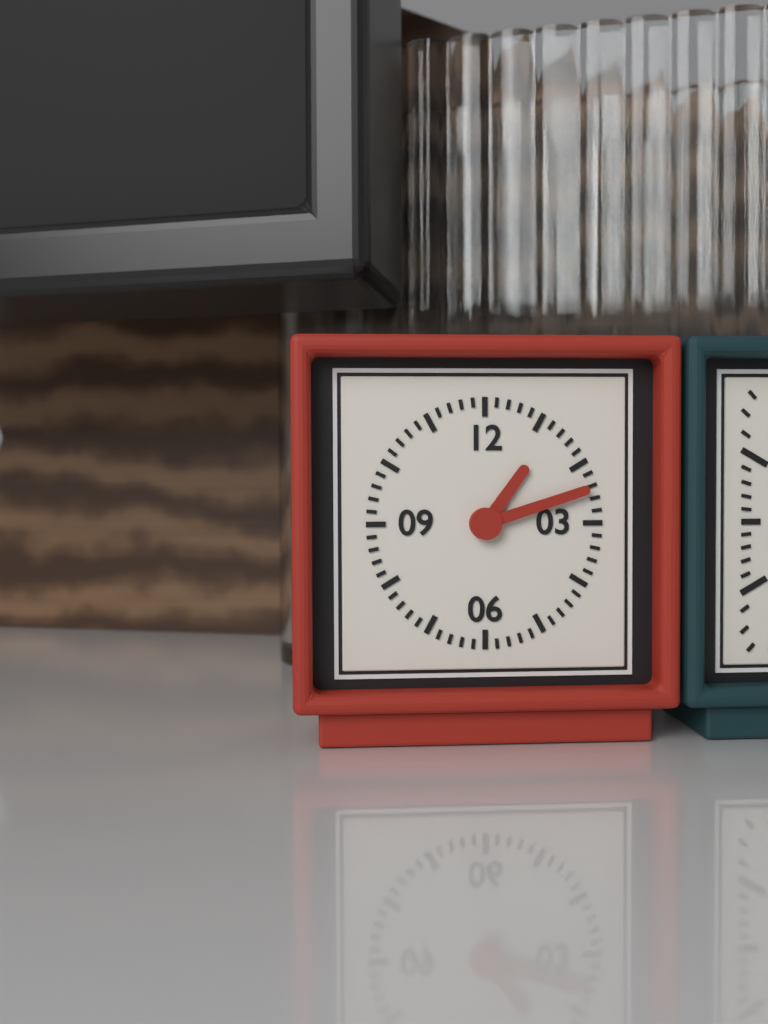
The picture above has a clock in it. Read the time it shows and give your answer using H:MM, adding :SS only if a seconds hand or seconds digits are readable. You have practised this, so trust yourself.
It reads 1:12
